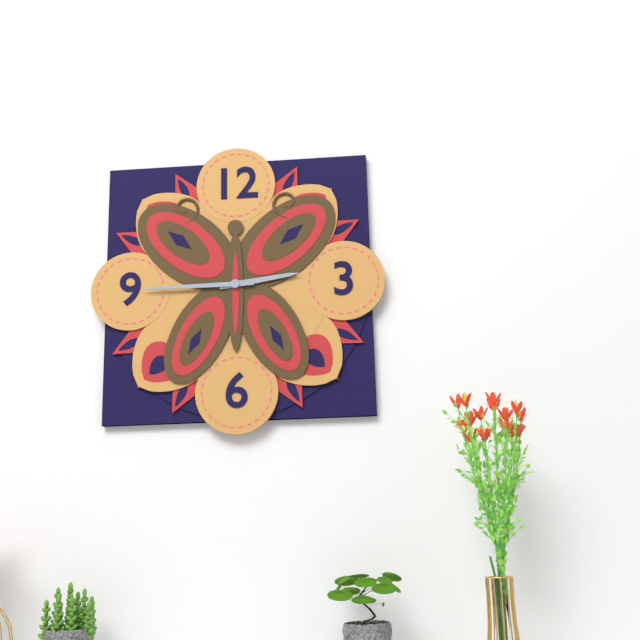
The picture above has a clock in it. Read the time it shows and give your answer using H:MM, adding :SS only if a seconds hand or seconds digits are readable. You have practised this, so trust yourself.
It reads 2:45
